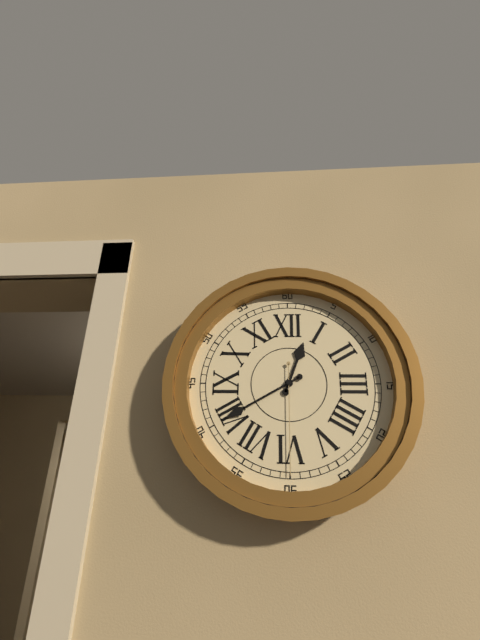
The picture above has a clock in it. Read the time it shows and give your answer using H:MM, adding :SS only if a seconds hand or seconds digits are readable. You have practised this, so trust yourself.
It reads 12:40:30
